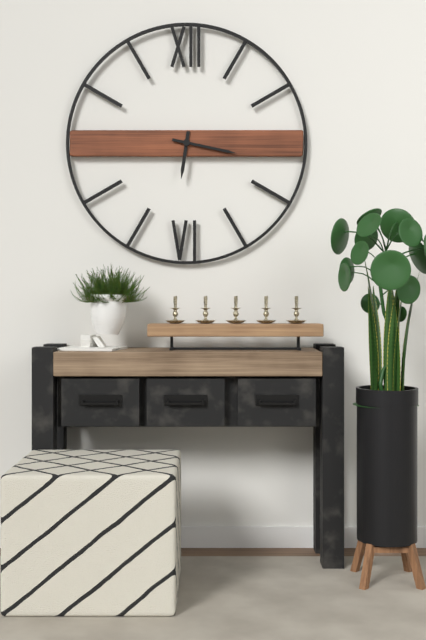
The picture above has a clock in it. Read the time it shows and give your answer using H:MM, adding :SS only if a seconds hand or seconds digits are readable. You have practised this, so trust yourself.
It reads 6:17
